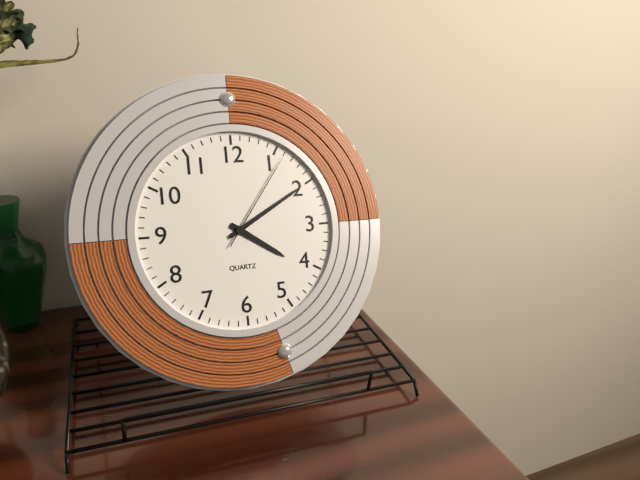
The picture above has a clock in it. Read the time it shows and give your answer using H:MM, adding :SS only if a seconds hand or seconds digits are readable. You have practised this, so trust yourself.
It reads 4:10:06
